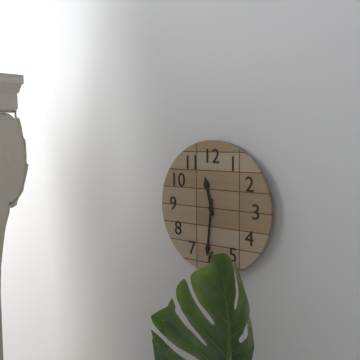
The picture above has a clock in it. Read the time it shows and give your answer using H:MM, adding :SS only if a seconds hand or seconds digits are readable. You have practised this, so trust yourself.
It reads 11:31
